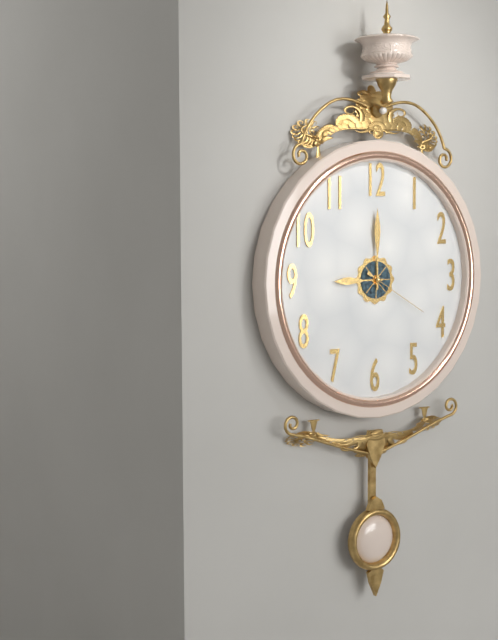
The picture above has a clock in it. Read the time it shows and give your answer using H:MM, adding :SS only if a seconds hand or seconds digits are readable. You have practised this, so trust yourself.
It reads 9:00:20
